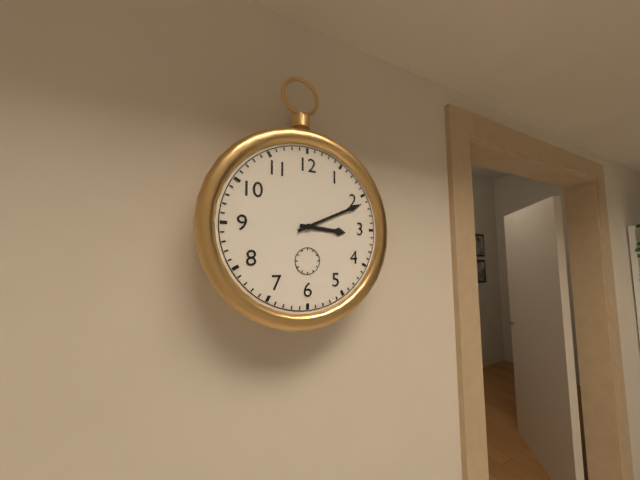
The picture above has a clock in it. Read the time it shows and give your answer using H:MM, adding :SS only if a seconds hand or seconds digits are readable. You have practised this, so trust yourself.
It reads 3:11
